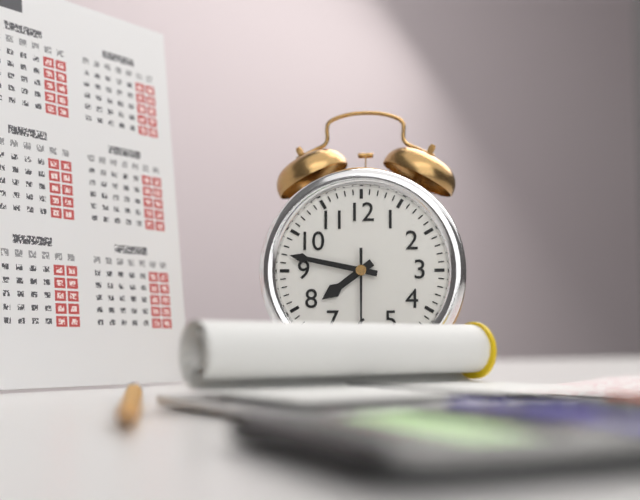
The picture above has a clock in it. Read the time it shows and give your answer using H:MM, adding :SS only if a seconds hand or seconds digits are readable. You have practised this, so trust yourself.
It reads 7:47
